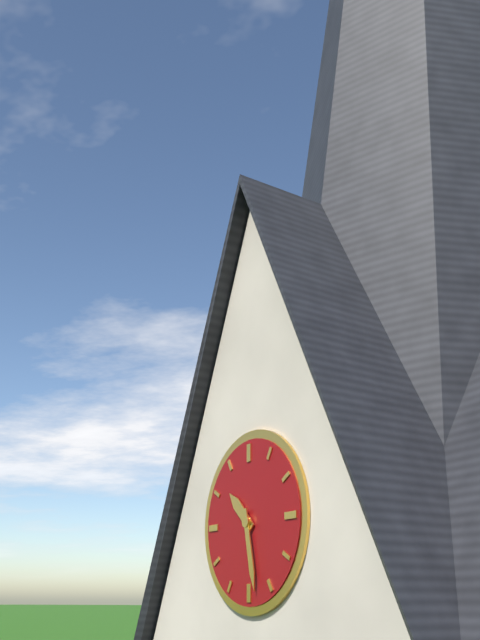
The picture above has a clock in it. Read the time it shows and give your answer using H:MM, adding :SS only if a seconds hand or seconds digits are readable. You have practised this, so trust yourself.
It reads 10:28
